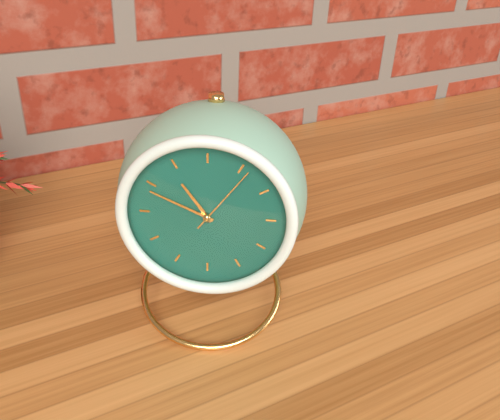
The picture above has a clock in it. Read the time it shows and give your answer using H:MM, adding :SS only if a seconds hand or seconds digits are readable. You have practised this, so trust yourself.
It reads 10:49:06
